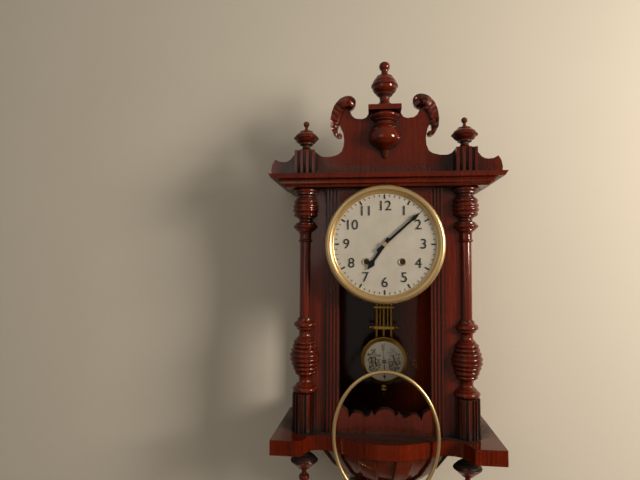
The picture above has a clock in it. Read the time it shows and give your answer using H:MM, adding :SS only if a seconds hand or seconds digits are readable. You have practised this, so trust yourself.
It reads 7:08
